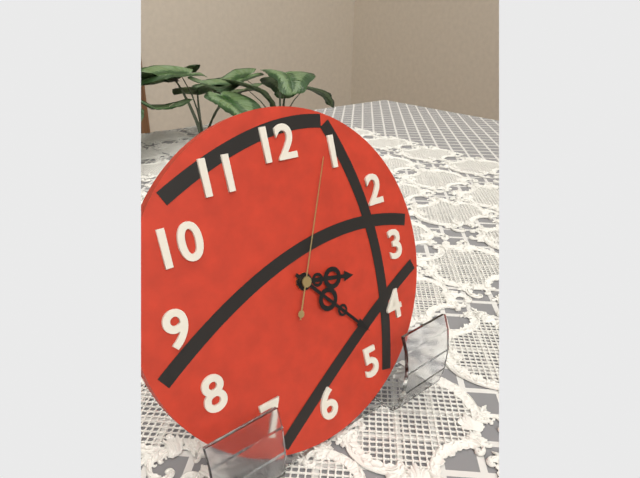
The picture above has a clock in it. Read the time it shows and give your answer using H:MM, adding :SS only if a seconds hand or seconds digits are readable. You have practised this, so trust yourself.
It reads 3:23:04
